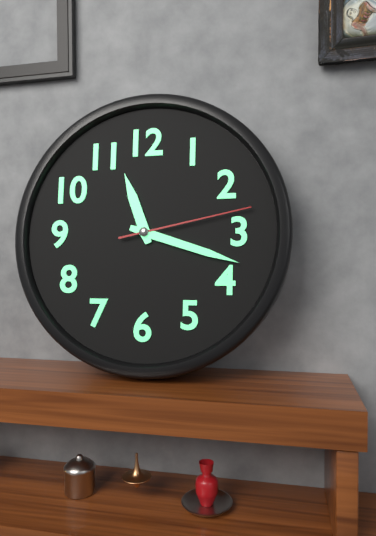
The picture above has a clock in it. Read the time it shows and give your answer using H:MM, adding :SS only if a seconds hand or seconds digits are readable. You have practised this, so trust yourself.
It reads 11:18:13
